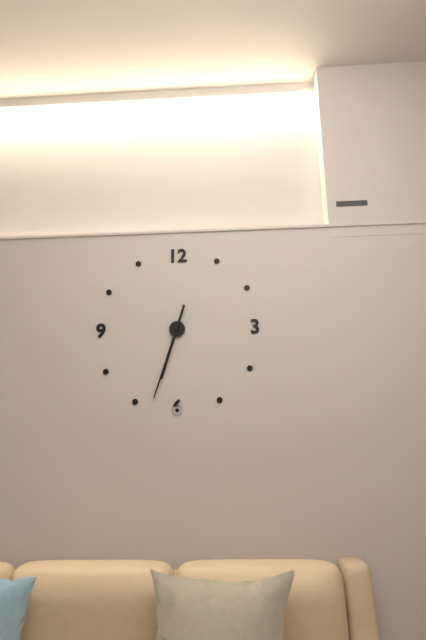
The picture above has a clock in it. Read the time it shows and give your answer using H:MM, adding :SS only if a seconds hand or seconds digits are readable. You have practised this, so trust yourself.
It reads 6:33
